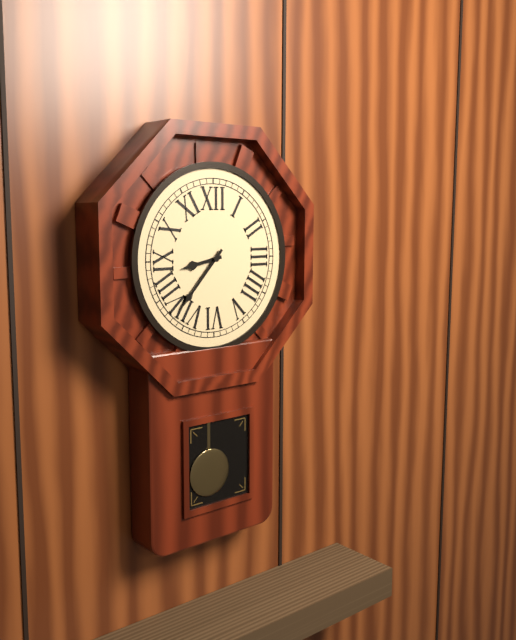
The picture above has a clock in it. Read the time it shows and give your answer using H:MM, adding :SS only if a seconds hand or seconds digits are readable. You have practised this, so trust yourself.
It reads 8:37
